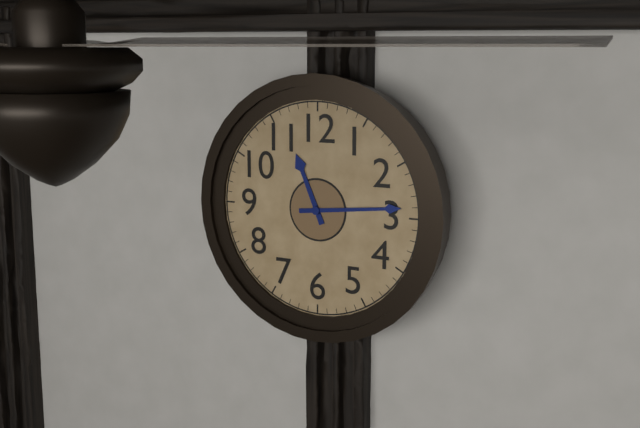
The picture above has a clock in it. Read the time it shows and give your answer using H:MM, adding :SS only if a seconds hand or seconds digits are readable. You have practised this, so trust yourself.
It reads 11:14
